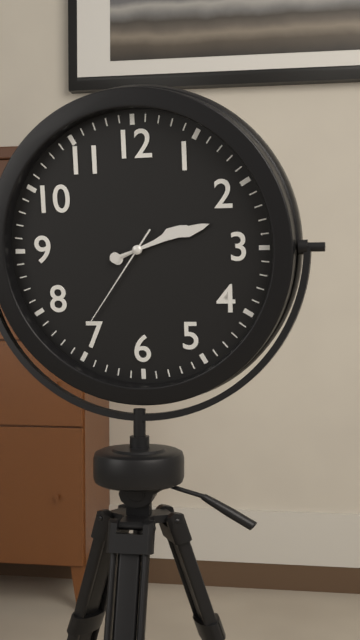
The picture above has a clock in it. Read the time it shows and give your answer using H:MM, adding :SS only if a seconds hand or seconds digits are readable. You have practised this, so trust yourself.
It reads 2:12:36
